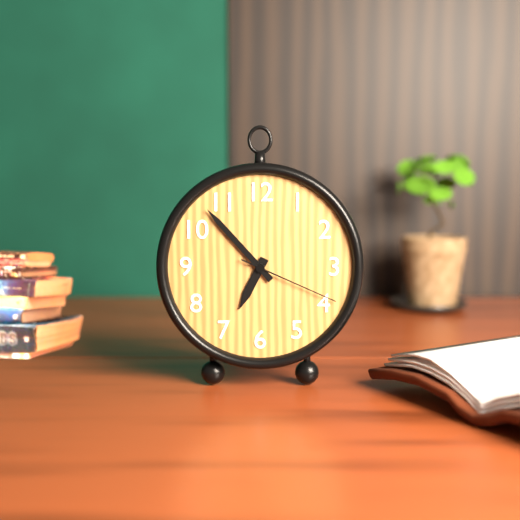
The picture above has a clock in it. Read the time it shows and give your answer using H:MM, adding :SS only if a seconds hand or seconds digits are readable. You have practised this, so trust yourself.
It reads 6:53:19
